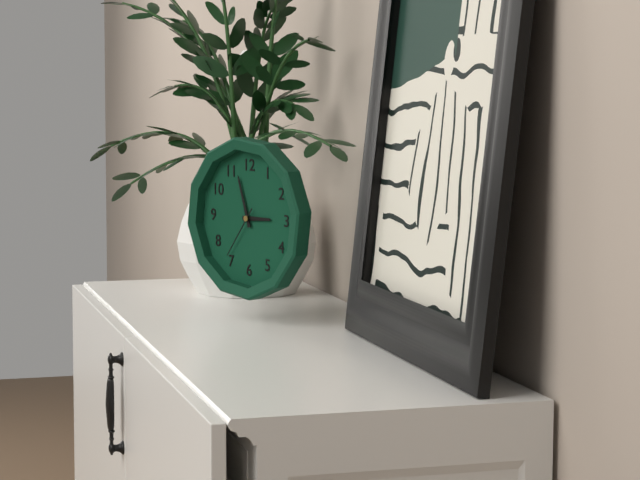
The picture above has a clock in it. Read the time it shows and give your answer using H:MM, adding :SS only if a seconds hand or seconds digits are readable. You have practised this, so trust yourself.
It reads 2:57:36
